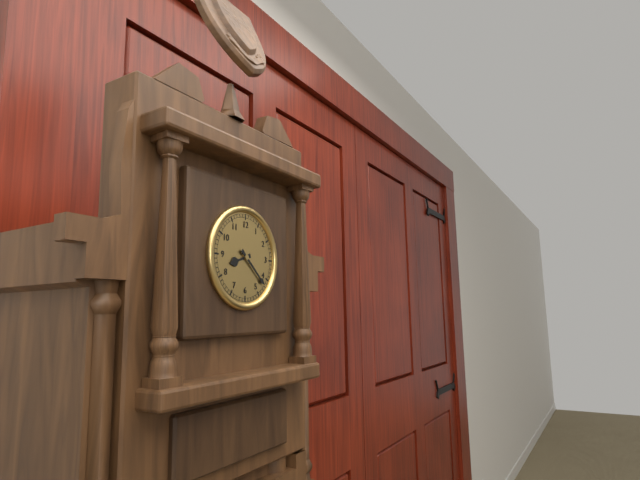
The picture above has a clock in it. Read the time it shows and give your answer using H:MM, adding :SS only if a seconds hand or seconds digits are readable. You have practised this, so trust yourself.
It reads 8:22
